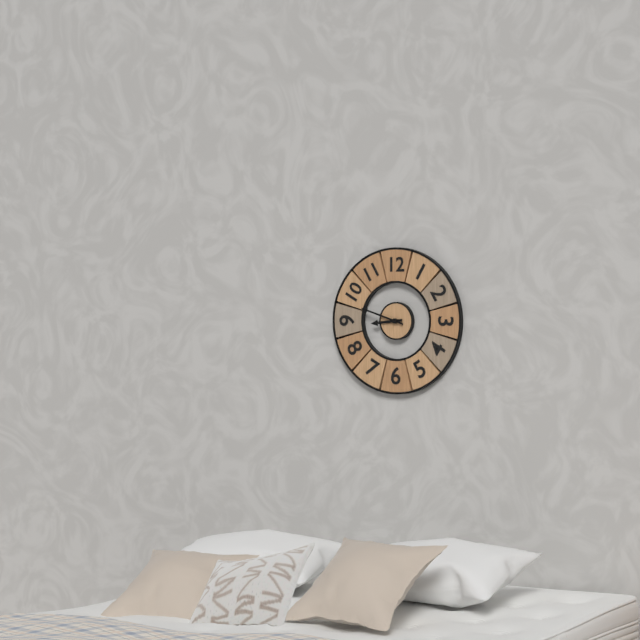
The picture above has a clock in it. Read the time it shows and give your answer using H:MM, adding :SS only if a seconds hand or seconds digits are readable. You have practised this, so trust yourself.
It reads 8:48
